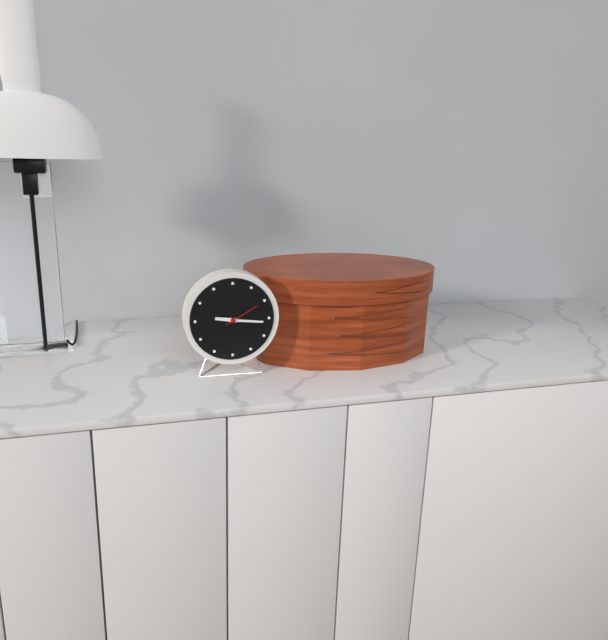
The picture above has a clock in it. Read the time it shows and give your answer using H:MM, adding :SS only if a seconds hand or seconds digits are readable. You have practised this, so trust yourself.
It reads 9:16
